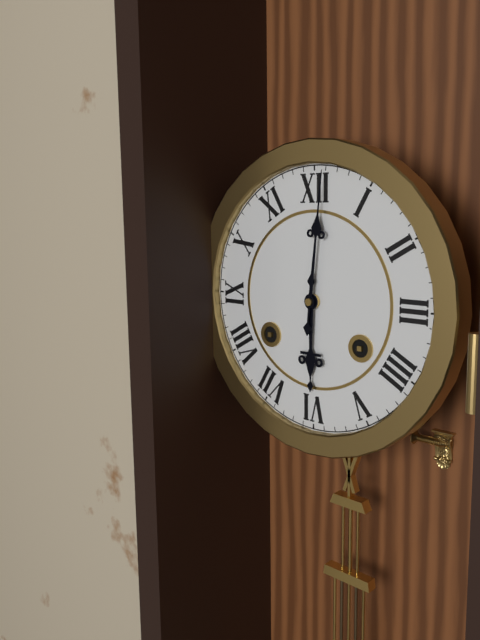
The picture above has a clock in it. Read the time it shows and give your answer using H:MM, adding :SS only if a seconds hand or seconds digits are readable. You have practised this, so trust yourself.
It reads 6:01
